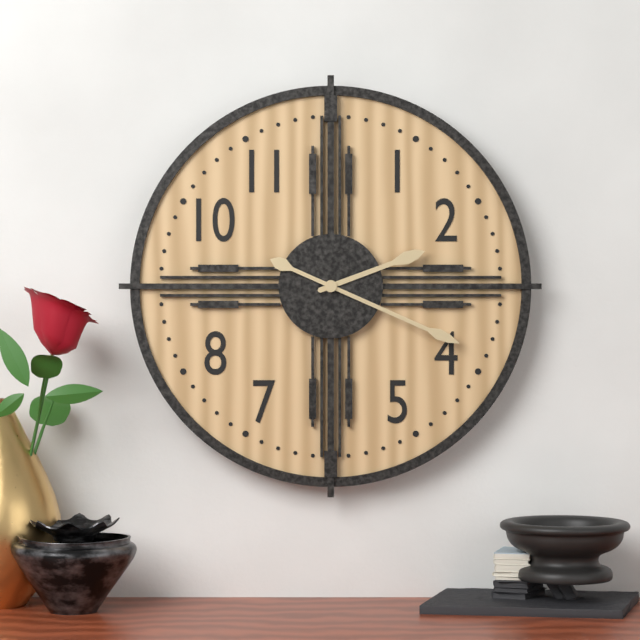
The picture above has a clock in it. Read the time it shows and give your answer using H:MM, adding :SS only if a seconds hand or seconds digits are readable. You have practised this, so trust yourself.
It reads 2:19
